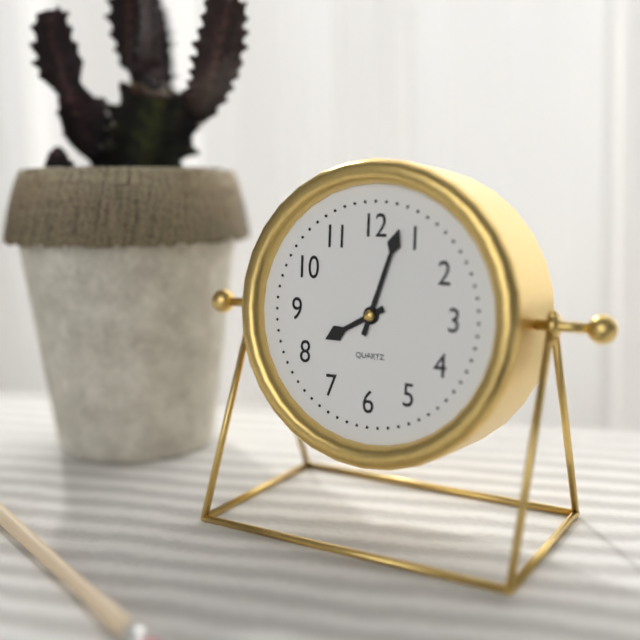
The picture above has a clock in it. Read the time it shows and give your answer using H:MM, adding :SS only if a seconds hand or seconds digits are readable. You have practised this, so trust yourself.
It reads 8:03
